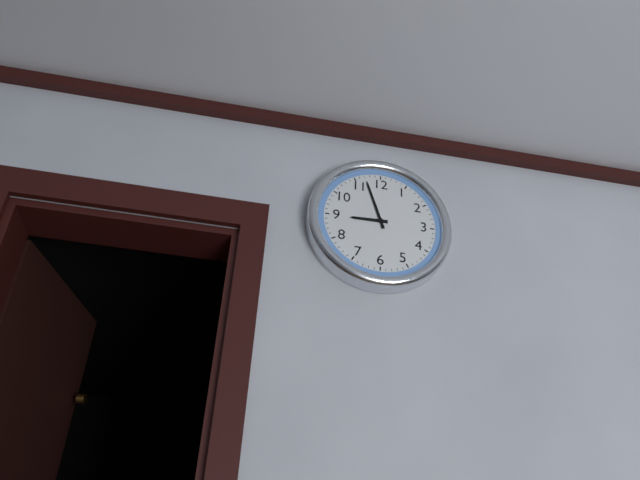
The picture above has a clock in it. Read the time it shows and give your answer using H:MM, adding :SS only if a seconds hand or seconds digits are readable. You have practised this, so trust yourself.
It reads 8:57
